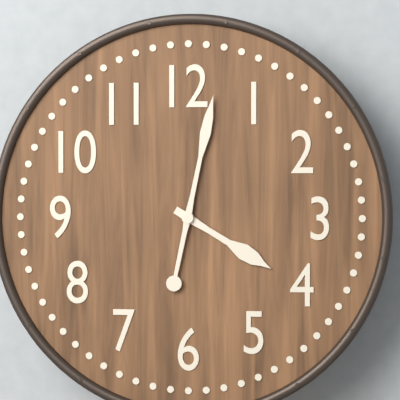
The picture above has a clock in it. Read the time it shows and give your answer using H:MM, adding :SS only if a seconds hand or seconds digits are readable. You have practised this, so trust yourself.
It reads 4:02
